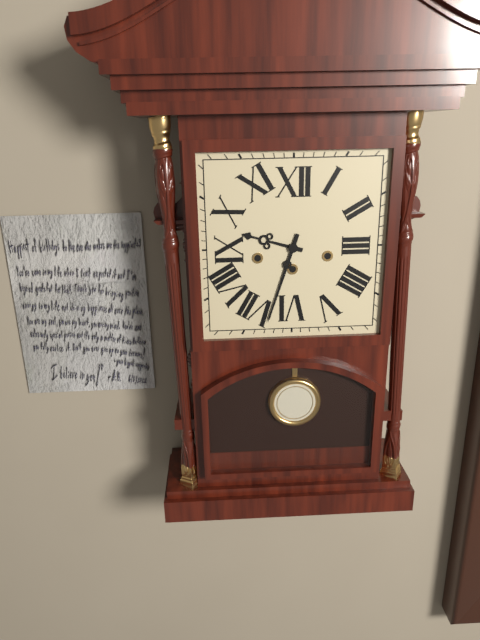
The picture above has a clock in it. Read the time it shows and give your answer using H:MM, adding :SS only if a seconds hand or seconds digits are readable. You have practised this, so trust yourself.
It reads 9:33
